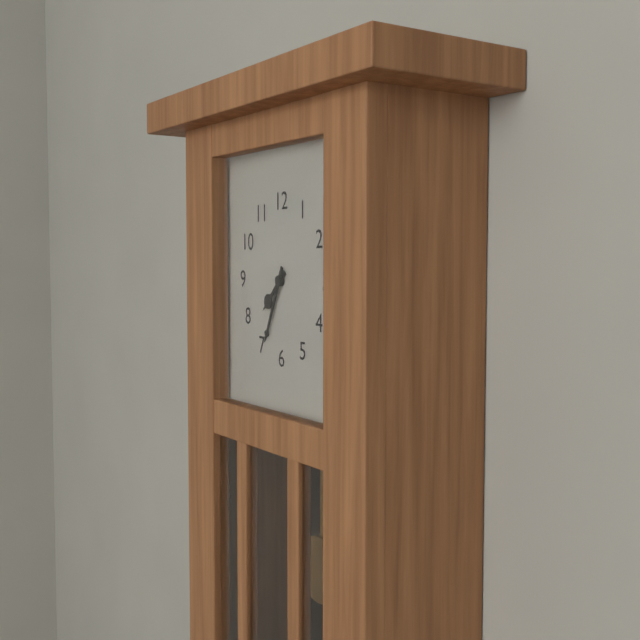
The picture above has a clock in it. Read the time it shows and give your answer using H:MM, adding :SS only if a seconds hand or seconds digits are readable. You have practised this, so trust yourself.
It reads 7:34
